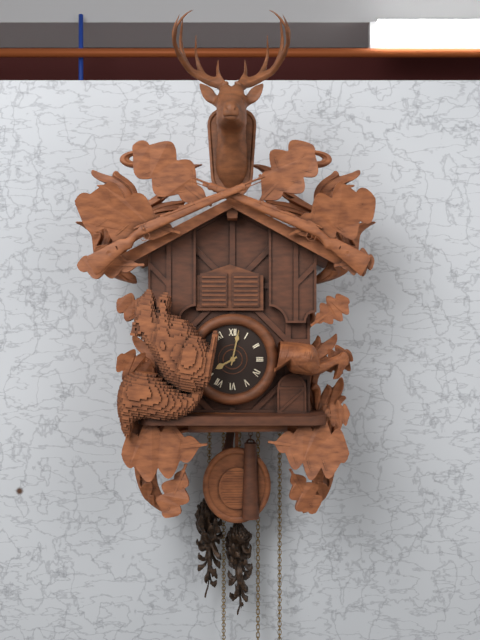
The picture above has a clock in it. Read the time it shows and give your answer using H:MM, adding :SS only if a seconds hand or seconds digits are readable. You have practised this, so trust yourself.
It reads 8:02
